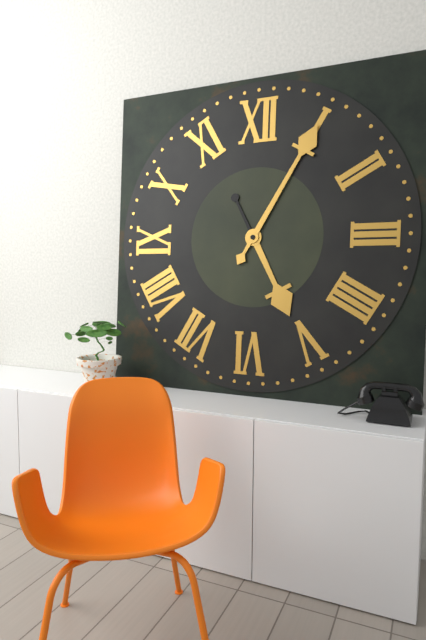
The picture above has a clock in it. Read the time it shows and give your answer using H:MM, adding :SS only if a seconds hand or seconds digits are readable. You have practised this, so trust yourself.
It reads 5:05
